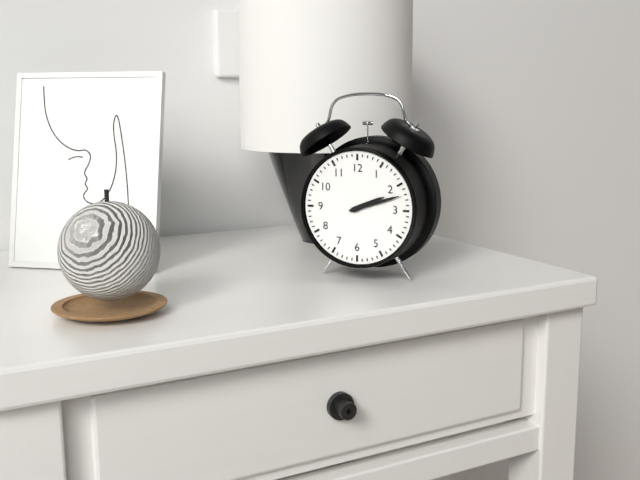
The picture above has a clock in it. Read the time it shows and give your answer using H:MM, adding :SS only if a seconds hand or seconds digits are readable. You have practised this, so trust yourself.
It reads 2:12
